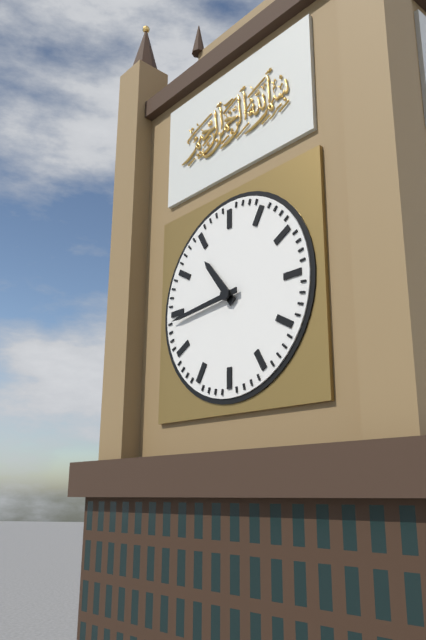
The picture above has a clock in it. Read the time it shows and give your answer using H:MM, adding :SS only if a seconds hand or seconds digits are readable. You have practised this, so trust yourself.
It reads 10:44
